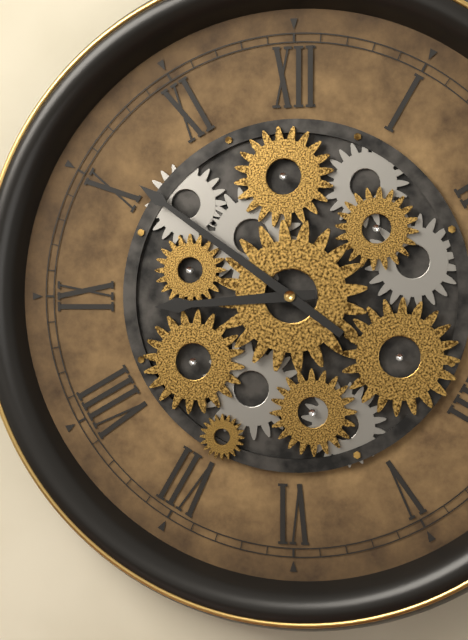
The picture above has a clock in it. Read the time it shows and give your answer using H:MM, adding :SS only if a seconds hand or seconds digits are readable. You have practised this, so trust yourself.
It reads 8:51
